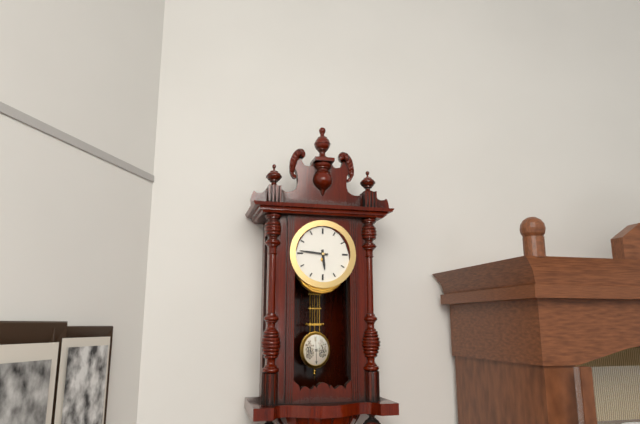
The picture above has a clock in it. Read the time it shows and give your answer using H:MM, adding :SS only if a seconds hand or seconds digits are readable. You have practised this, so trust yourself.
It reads 5:46
